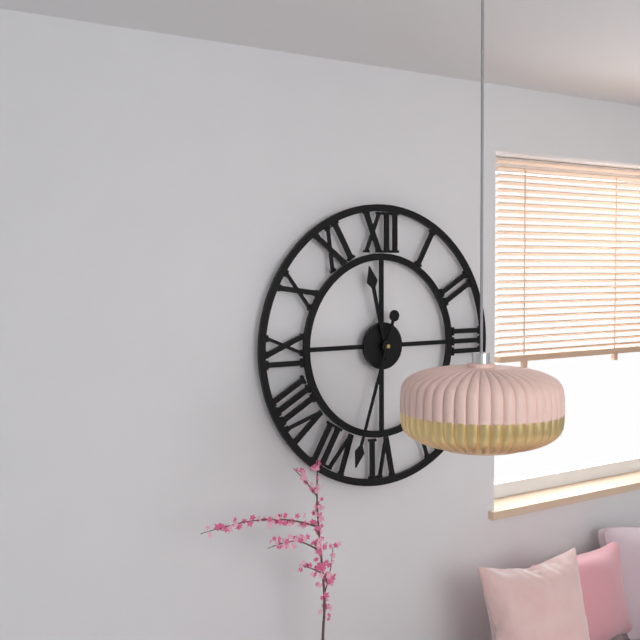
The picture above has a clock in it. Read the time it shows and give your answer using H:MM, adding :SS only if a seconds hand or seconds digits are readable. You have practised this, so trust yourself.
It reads 11:33
